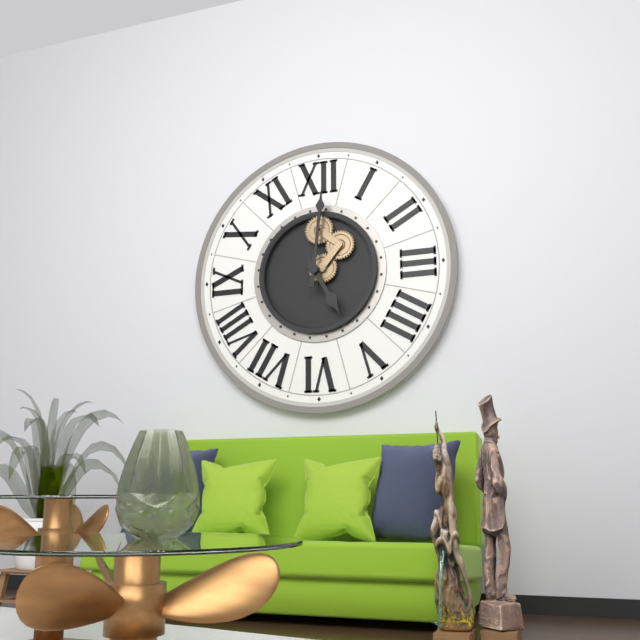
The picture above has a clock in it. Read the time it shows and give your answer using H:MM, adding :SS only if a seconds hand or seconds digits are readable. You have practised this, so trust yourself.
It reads 5:01
